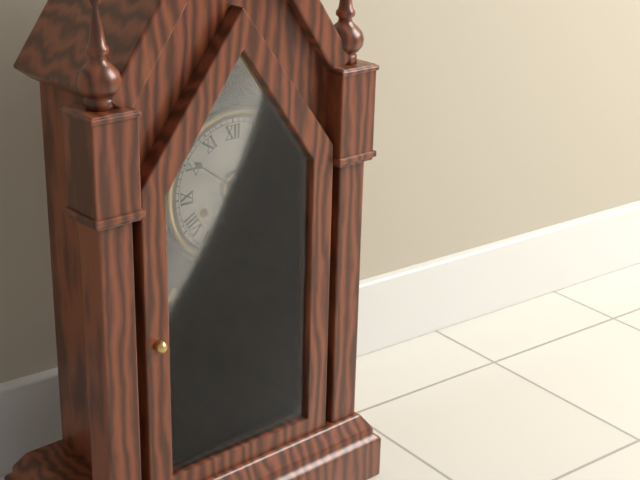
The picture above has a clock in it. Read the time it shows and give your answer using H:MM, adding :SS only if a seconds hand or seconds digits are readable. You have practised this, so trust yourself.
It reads 5:51
